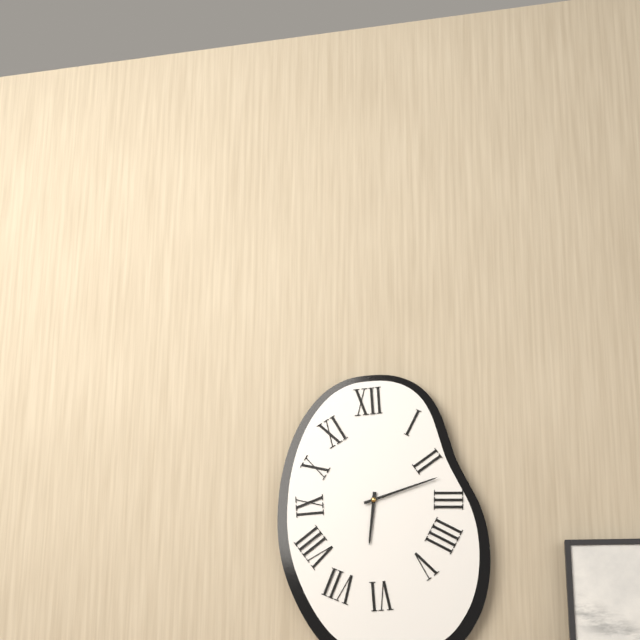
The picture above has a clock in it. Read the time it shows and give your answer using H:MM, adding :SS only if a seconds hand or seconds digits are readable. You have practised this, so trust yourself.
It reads 6:12
